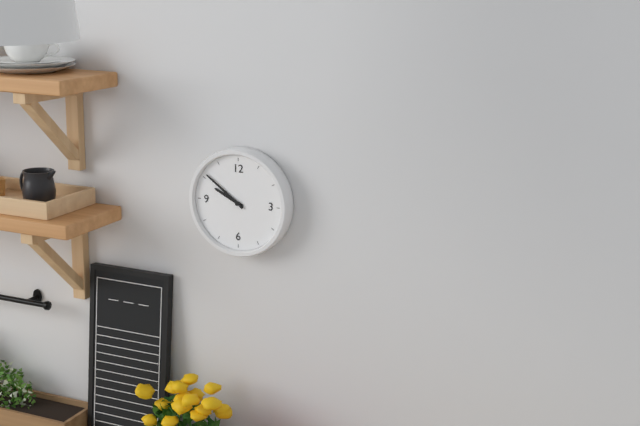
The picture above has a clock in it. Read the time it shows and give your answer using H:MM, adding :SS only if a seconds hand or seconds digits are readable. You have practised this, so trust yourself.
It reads 9:51
